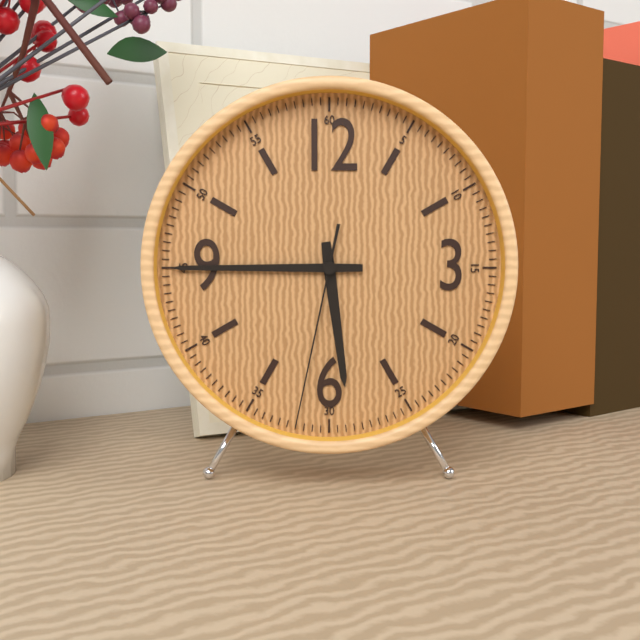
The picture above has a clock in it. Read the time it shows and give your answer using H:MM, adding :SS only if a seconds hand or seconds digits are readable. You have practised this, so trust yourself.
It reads 5:45:32
